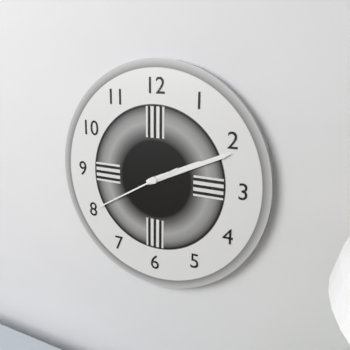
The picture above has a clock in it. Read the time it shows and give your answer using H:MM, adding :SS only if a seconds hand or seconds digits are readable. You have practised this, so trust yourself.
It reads 2:11:40
